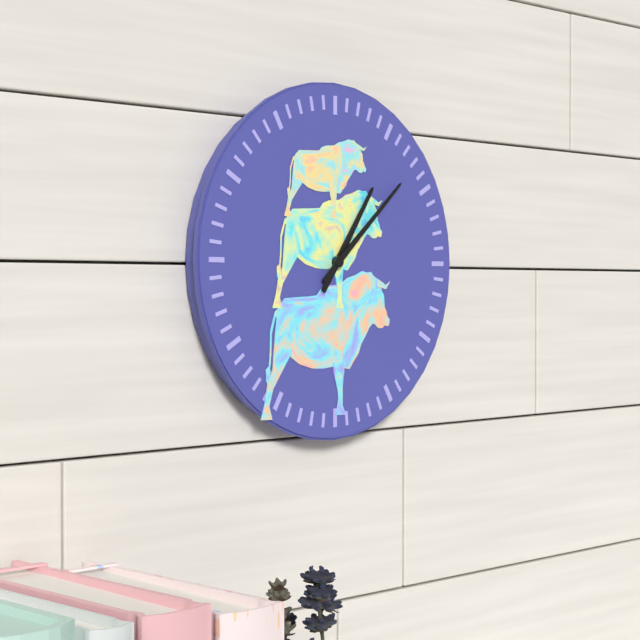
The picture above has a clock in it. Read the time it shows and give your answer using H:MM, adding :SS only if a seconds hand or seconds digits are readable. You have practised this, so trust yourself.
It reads 1:08
